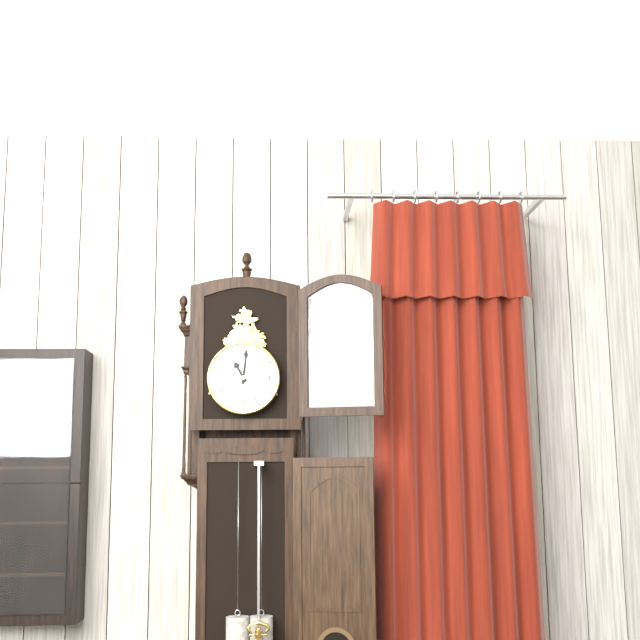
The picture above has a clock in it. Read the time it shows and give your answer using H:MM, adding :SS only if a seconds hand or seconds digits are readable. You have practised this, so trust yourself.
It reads 11:01
